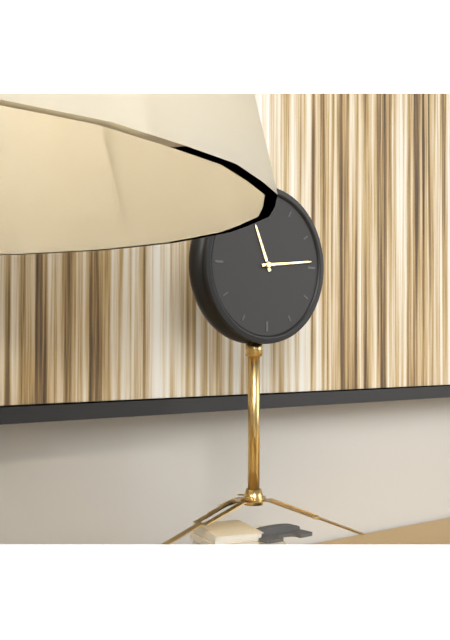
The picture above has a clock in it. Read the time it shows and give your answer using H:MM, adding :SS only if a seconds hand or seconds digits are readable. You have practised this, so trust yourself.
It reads 11:14
